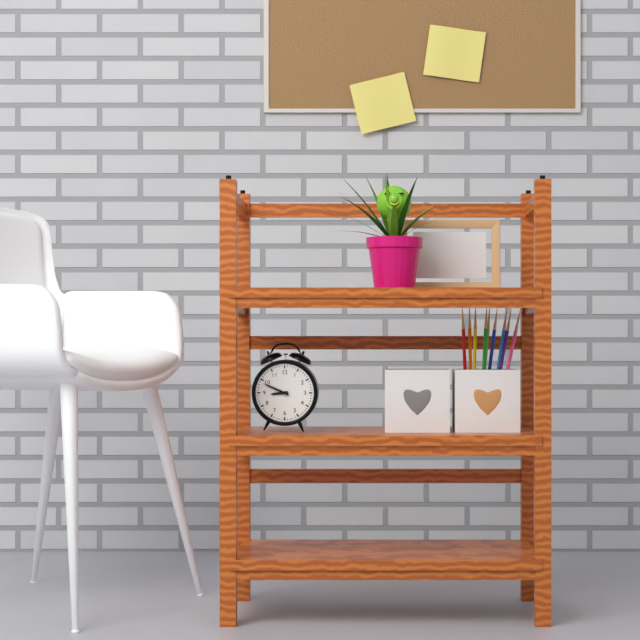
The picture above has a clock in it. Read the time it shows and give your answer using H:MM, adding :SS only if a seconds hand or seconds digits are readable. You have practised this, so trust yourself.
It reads 8:49
